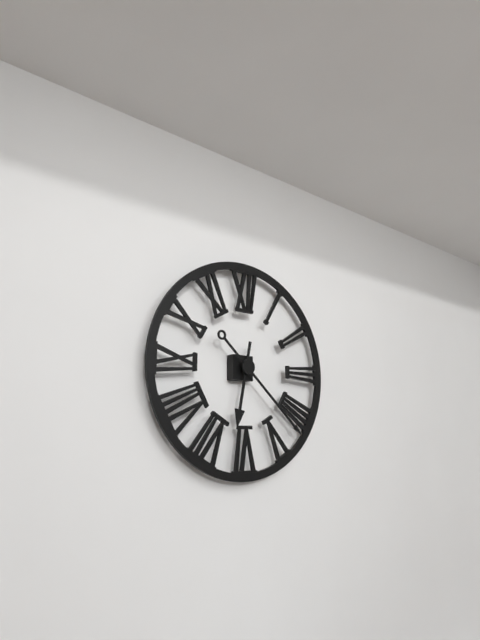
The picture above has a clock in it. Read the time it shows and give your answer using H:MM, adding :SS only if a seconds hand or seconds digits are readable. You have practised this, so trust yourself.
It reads 6:22
